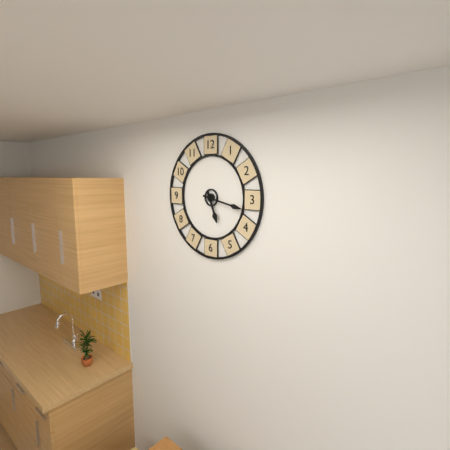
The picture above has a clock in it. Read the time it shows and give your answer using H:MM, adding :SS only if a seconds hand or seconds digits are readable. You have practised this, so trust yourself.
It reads 5:17
